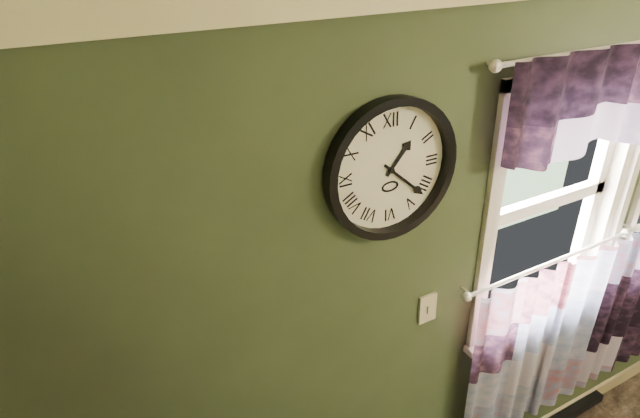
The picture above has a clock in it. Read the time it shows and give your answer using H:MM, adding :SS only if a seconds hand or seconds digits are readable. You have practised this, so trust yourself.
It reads 1:22
